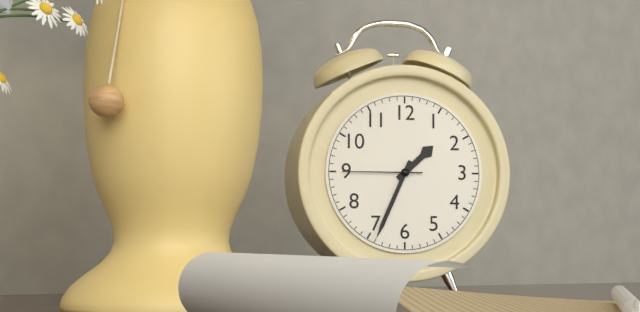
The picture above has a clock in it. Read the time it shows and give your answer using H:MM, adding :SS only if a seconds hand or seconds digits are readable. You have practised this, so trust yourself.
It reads 1:34:45
